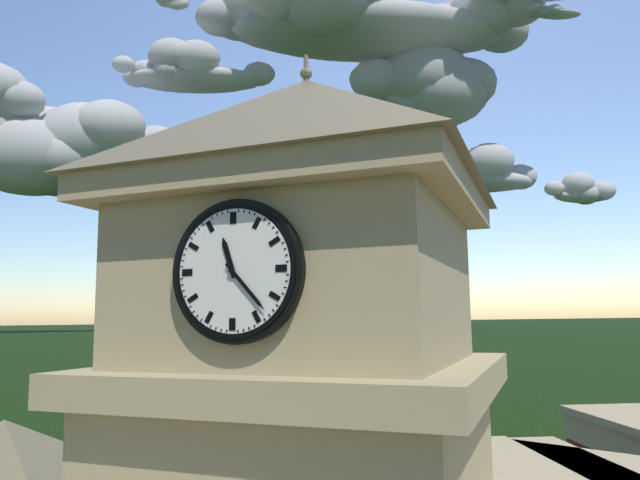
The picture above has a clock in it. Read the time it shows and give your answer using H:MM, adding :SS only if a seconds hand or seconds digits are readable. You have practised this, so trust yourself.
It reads 11:23
